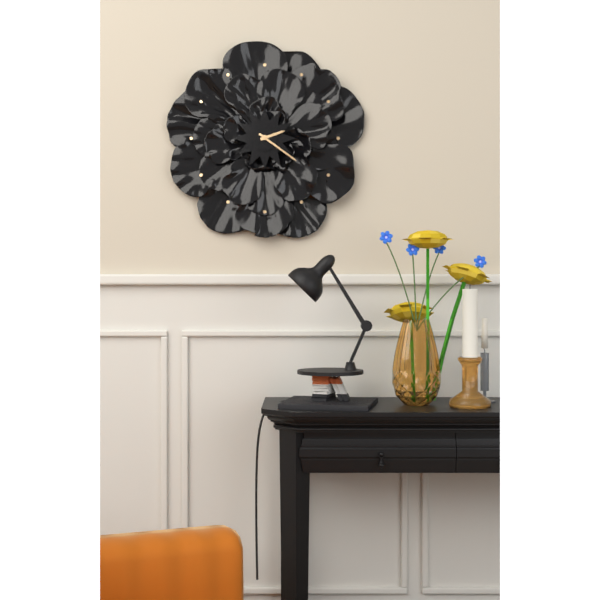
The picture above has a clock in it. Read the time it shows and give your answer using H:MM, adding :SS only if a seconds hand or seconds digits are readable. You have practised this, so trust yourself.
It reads 2:21
